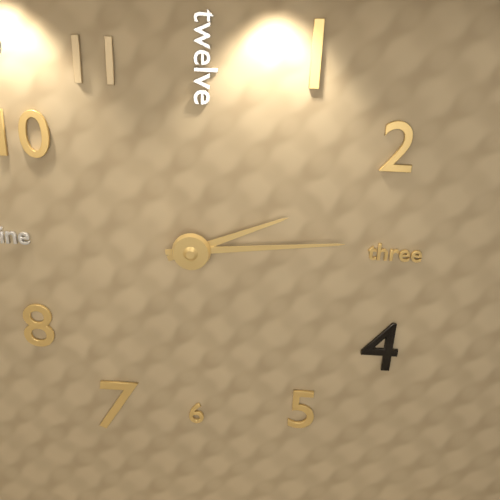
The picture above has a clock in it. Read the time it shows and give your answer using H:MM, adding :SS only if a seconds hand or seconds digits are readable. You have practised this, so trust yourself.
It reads 2:14
